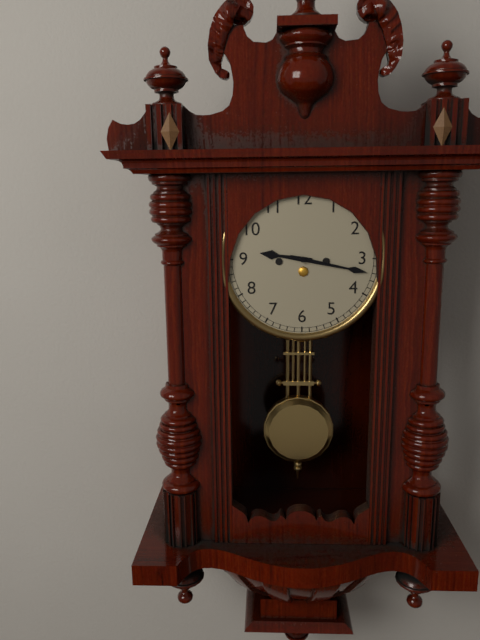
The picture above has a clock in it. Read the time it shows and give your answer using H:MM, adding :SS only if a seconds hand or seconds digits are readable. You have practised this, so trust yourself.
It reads 9:17
